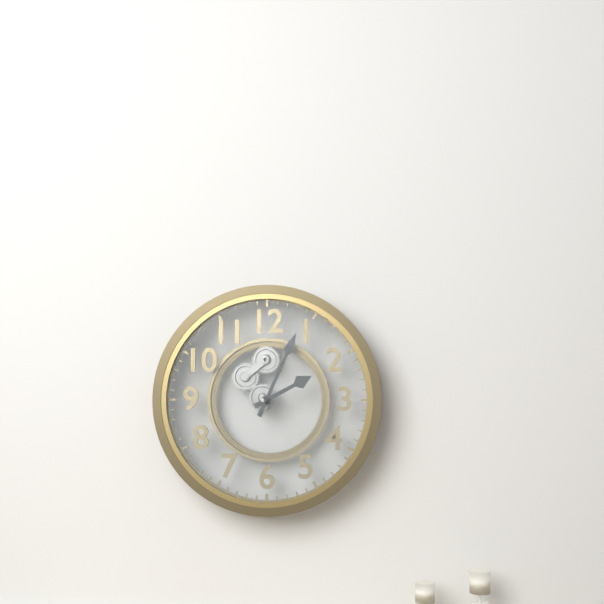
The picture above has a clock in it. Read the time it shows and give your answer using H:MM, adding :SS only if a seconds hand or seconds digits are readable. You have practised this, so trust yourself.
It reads 2:04
